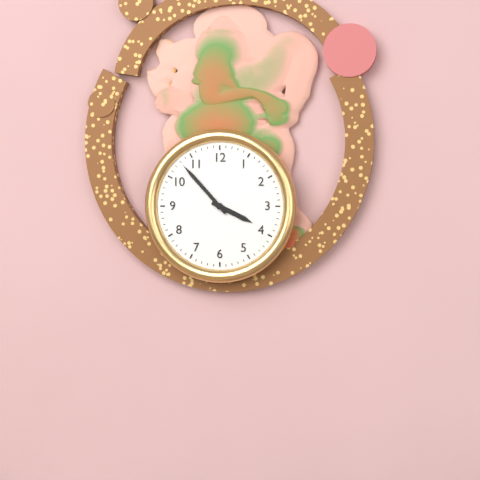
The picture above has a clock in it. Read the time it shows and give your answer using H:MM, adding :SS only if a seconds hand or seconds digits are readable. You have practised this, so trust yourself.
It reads 3:53
